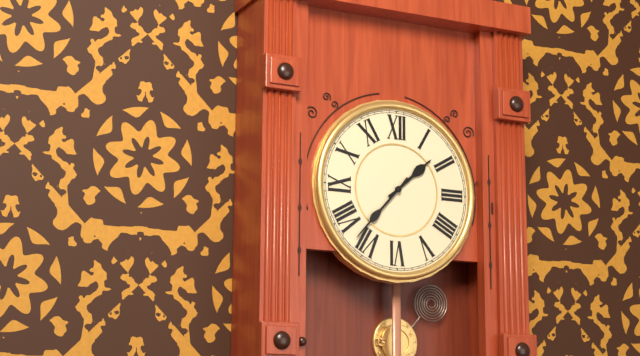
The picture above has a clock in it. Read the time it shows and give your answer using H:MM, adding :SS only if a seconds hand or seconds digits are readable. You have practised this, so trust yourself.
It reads 1:37
